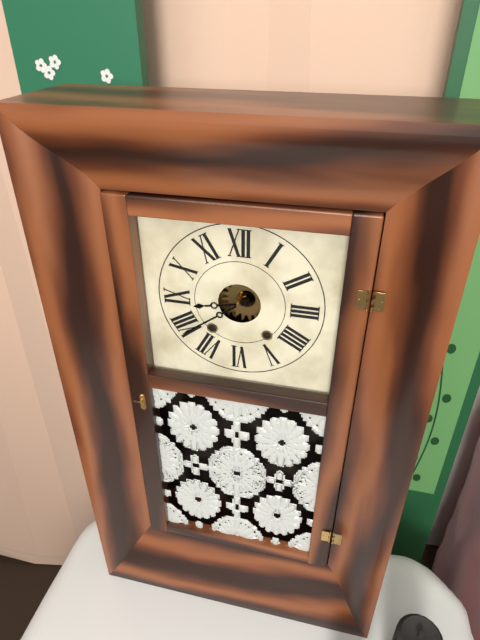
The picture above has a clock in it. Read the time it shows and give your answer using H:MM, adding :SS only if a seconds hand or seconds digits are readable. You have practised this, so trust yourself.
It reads 8:39
